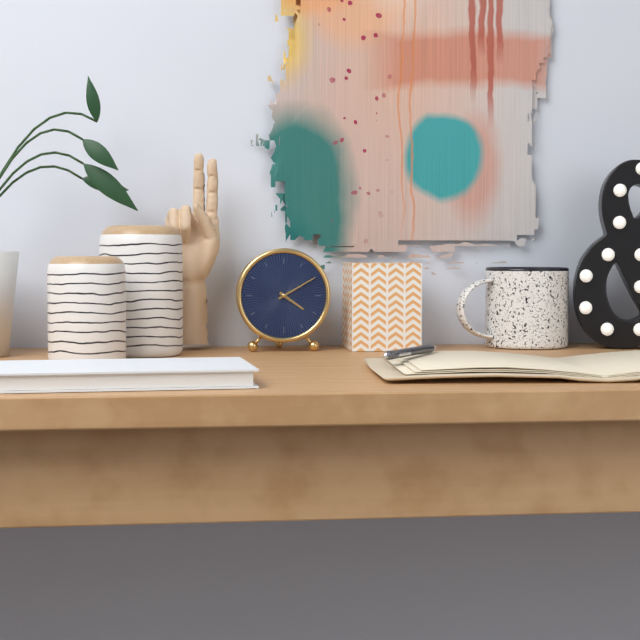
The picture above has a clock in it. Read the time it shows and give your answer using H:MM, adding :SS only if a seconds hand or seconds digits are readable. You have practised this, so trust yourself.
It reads 4:10
